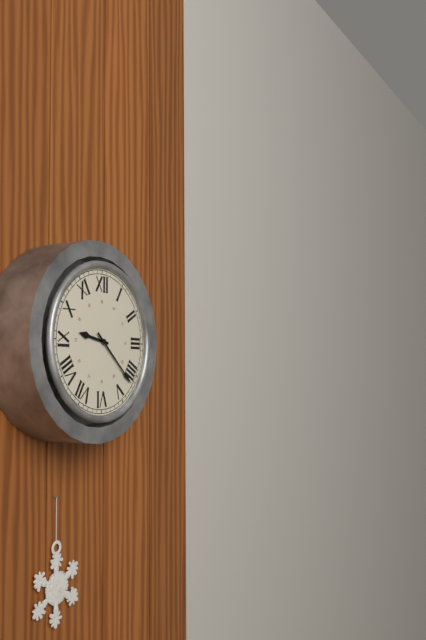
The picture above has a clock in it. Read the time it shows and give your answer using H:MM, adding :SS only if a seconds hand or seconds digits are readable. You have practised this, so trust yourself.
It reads 9:22
